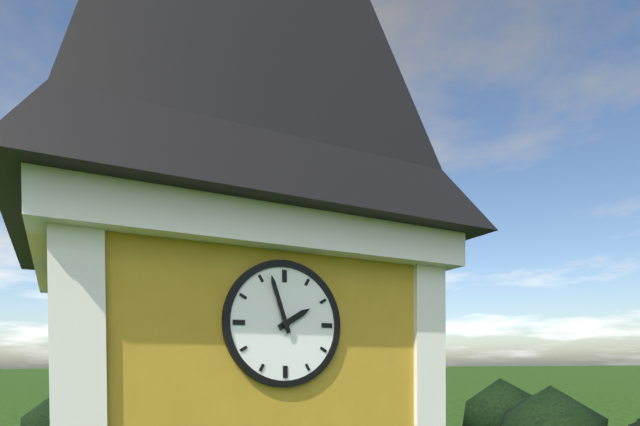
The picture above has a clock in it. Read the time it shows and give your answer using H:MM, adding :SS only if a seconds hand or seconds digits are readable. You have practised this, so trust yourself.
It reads 1:57
